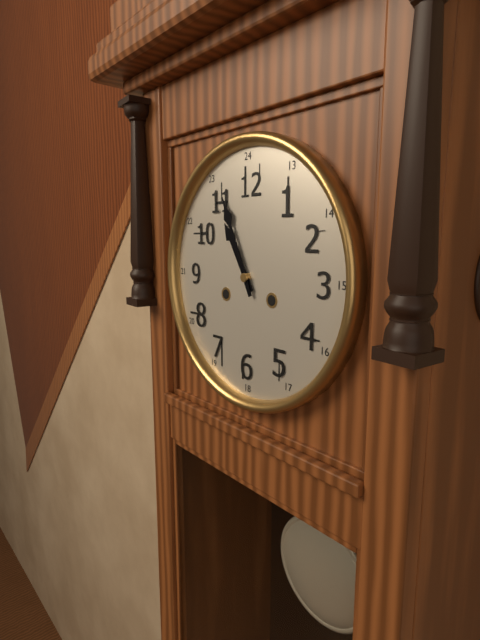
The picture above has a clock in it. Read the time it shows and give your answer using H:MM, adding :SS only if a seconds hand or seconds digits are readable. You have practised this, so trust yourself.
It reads 10:56
